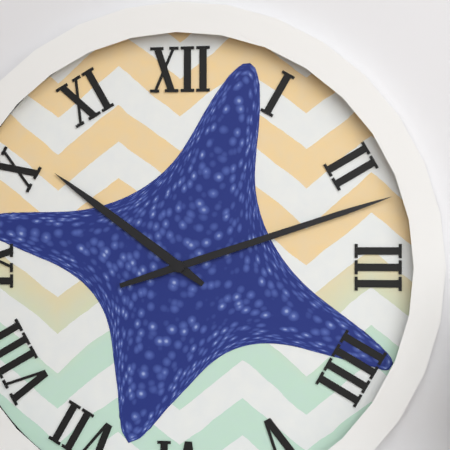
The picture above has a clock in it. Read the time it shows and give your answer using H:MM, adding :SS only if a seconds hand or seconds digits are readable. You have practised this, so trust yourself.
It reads 10:12
